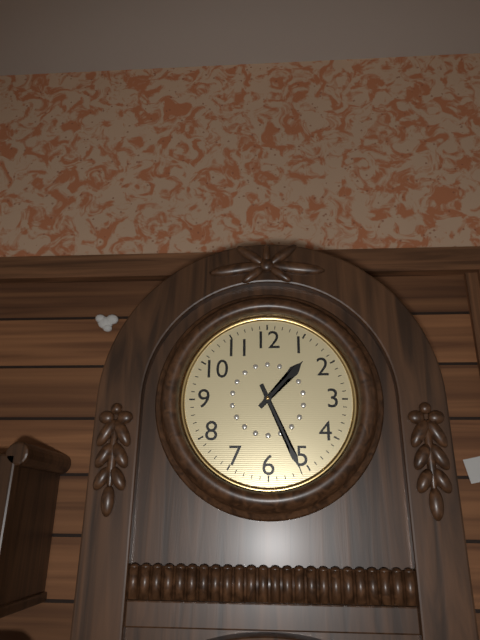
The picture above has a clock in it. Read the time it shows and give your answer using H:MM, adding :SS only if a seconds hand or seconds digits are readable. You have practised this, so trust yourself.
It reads 1:26
